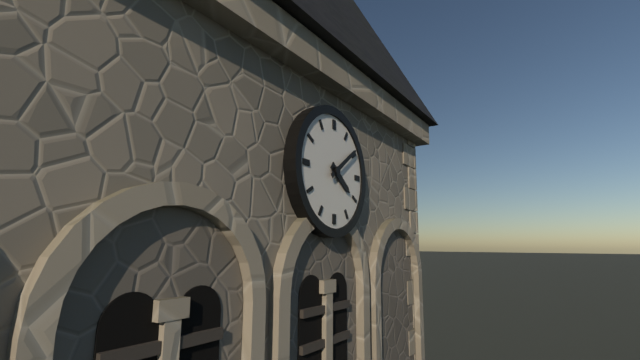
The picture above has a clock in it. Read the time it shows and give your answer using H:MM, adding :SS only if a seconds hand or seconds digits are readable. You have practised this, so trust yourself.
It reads 4:09
